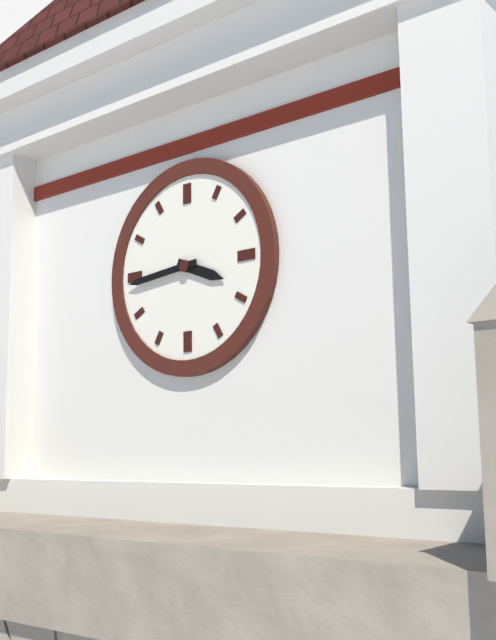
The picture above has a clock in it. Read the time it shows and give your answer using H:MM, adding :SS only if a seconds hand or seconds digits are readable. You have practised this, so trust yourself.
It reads 3:44
